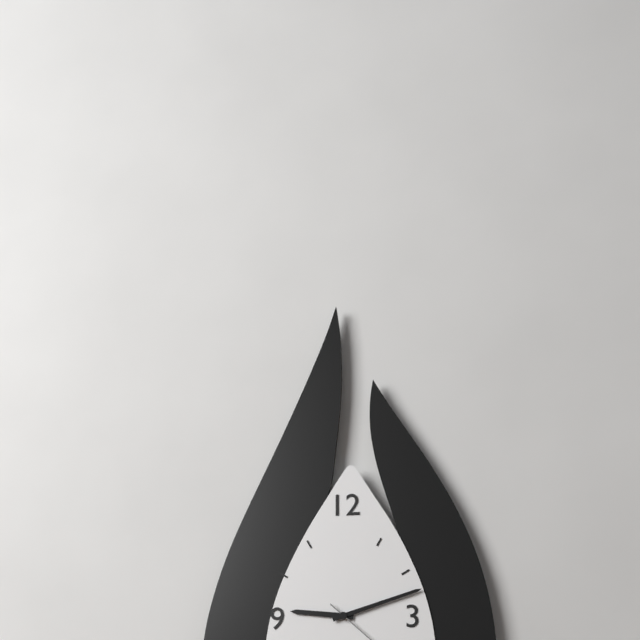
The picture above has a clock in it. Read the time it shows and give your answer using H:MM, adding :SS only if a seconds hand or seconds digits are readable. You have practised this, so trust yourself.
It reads 9:12
